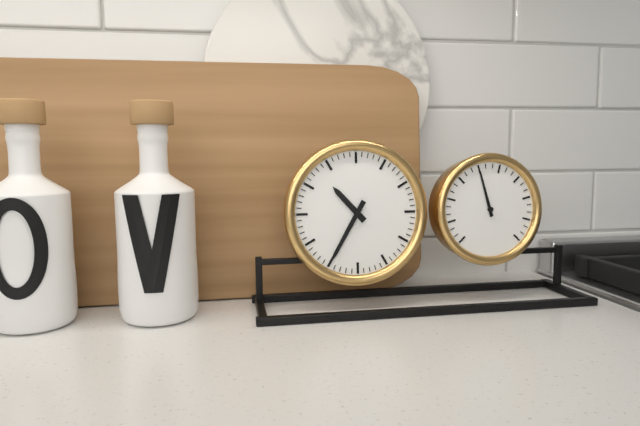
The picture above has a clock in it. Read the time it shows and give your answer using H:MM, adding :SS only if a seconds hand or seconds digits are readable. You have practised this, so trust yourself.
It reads 10:35
